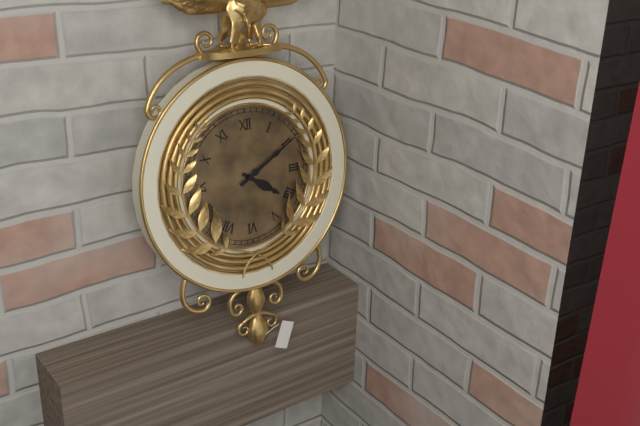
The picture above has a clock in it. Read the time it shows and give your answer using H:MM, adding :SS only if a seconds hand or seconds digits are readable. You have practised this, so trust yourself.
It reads 4:10
